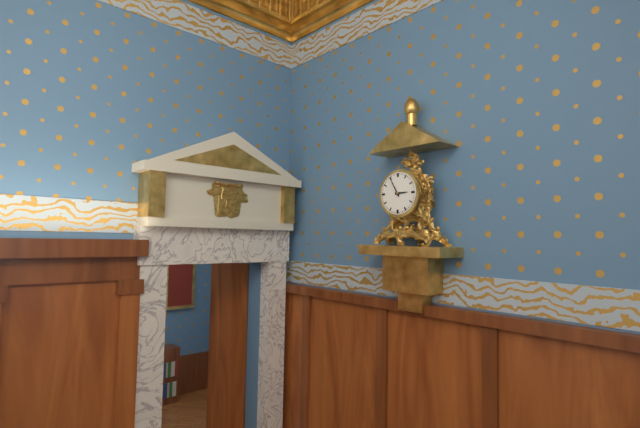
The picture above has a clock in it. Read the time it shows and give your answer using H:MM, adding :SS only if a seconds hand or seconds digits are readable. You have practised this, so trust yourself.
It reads 2:55
